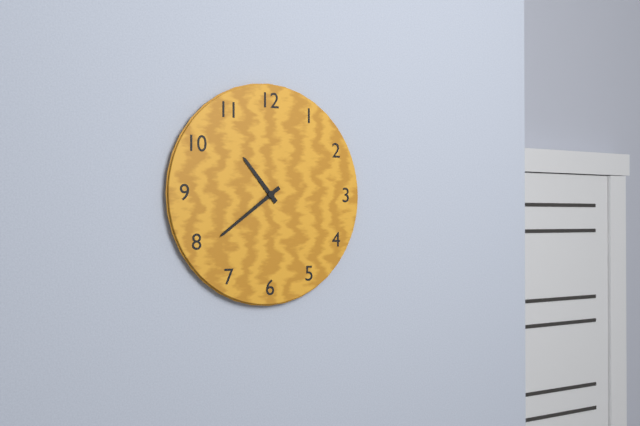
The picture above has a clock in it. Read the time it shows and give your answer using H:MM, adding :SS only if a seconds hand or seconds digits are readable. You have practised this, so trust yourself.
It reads 10:39
